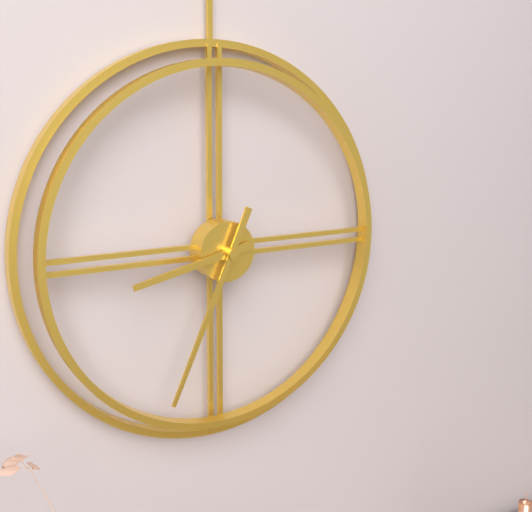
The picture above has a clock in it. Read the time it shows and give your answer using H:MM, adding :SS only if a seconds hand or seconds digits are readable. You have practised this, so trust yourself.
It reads 8:34
